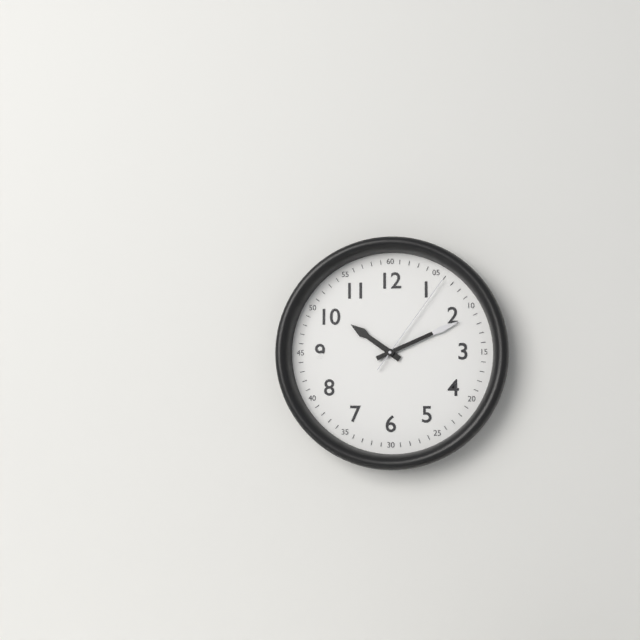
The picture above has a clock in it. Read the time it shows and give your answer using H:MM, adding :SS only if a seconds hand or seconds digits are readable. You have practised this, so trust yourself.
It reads 10:11:06
